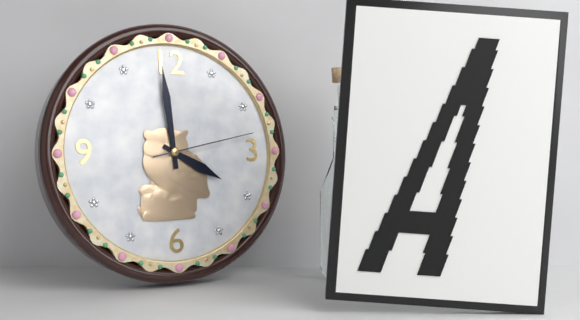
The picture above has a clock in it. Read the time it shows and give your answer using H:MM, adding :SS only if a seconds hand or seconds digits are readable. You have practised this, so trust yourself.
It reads 3:59:13
